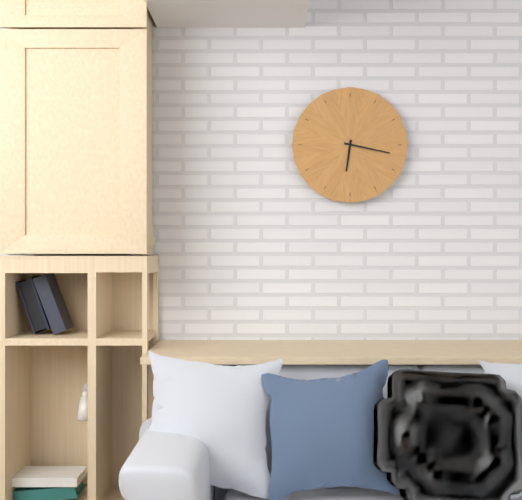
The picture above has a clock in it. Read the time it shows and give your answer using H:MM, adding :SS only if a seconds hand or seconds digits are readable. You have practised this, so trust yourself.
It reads 6:17
